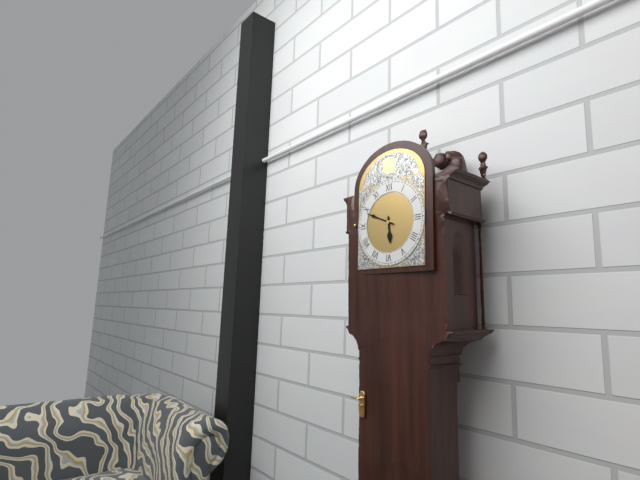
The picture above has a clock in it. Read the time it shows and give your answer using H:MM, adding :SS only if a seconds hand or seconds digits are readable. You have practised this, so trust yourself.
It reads 5:49
